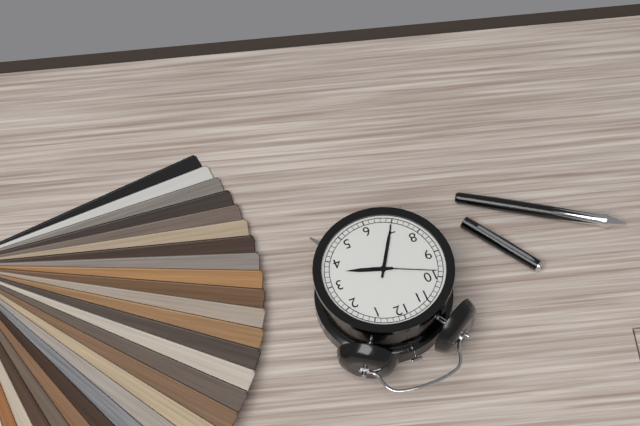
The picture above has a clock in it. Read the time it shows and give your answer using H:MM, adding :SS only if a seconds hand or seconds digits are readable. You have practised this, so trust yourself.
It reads 3:35:49
